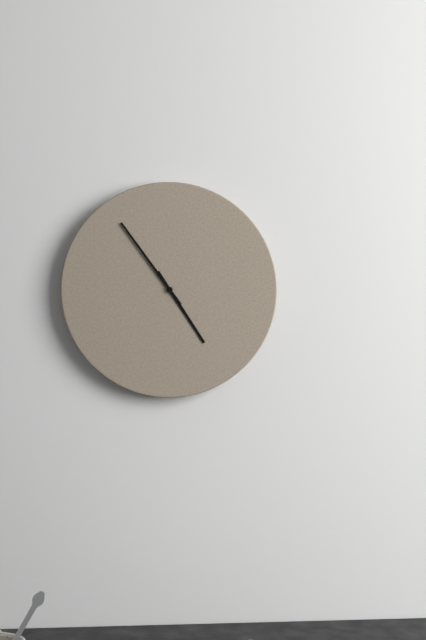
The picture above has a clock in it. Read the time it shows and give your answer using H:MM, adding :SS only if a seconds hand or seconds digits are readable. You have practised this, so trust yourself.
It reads 4:54
